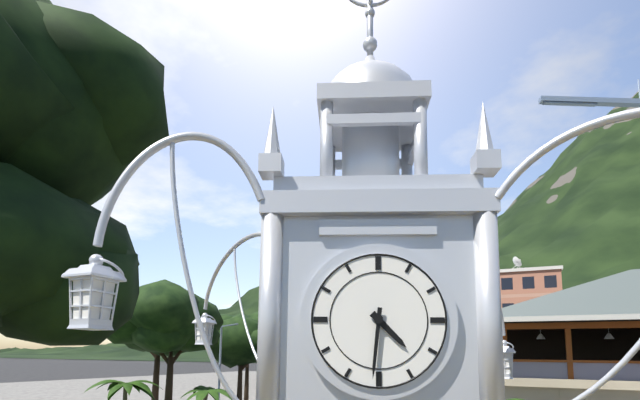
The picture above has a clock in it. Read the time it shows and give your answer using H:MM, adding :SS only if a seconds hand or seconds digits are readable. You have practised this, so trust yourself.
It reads 4:31
